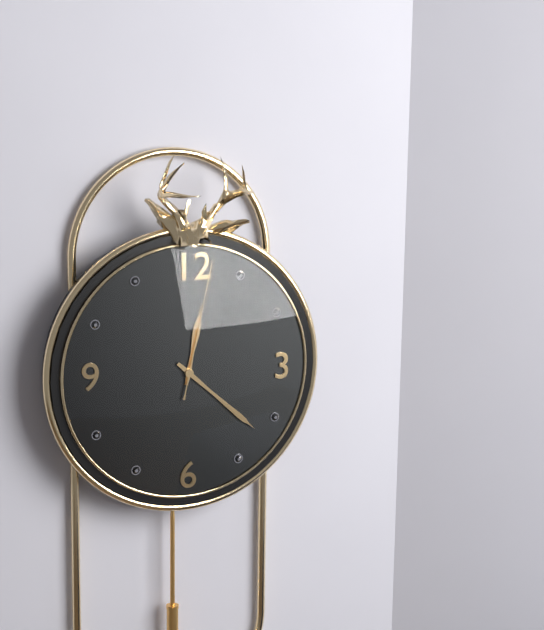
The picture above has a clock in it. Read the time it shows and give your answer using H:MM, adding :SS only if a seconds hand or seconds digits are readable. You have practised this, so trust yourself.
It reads 12:22:02
